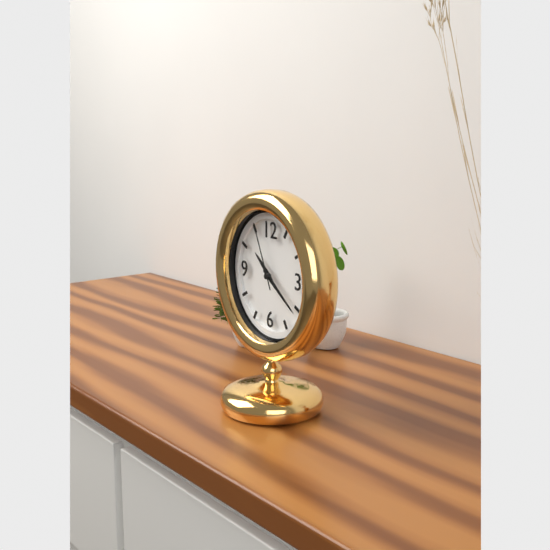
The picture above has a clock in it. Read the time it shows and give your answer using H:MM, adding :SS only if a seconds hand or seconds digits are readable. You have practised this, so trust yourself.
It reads 10:21:56
